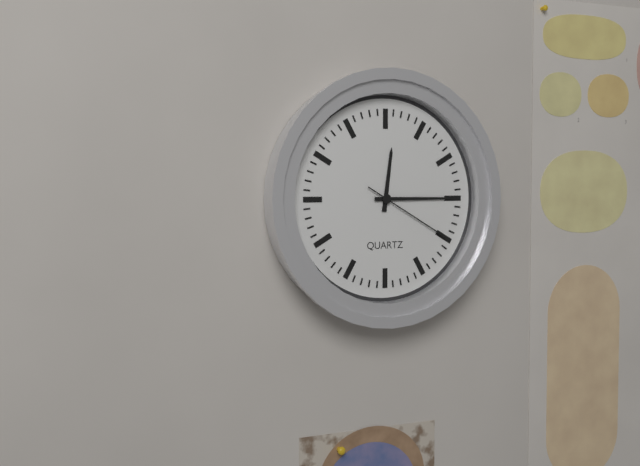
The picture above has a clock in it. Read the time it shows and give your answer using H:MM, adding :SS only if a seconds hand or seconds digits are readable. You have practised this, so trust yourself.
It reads 12:15:20
